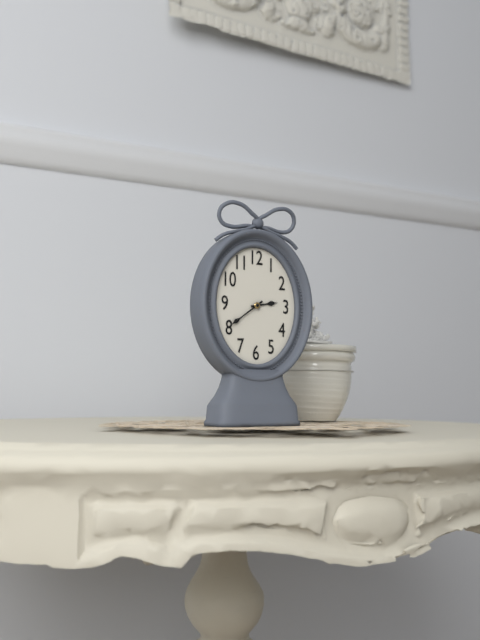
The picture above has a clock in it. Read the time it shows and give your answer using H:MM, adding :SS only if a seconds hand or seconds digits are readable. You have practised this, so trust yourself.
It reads 2:39
